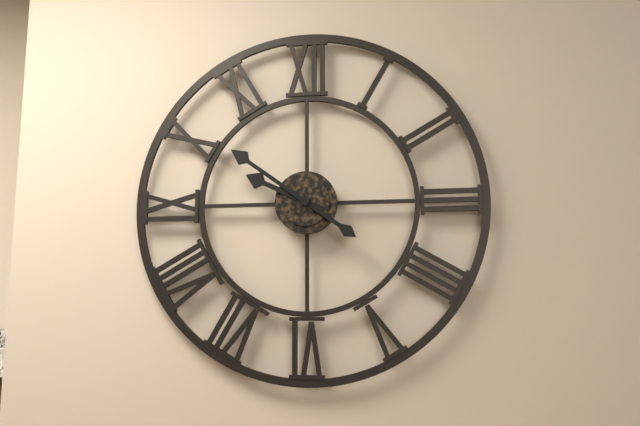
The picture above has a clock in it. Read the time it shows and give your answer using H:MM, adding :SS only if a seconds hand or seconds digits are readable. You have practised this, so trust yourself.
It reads 9:51
